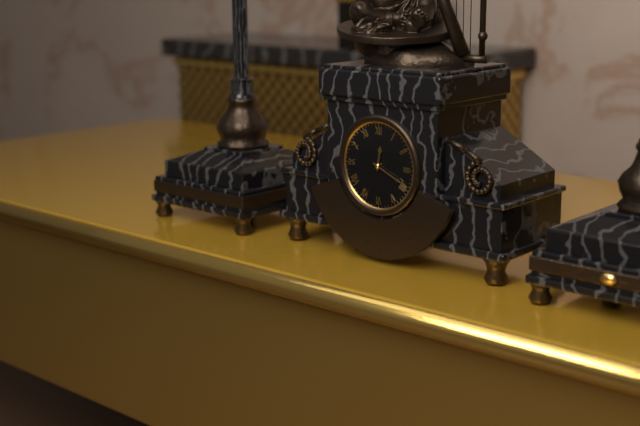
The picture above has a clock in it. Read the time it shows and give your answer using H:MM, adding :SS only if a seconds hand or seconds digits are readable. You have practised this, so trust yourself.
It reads 12:19
